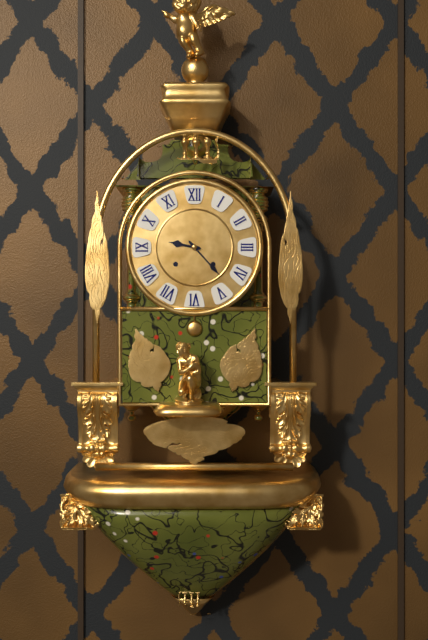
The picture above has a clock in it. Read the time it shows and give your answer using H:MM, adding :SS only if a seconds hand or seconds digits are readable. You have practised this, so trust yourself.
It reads 9:23
